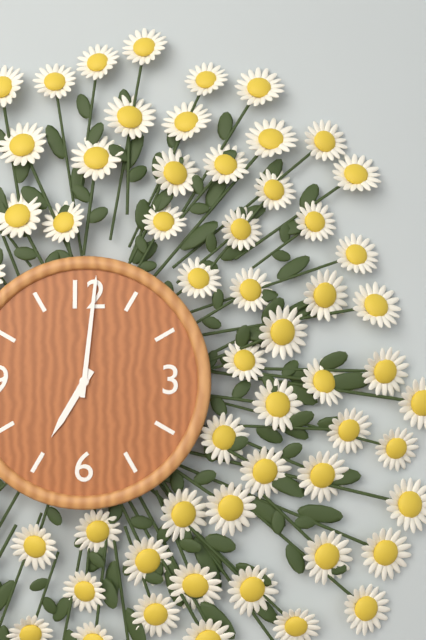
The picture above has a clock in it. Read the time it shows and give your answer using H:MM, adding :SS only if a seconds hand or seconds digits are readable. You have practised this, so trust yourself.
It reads 7:01
